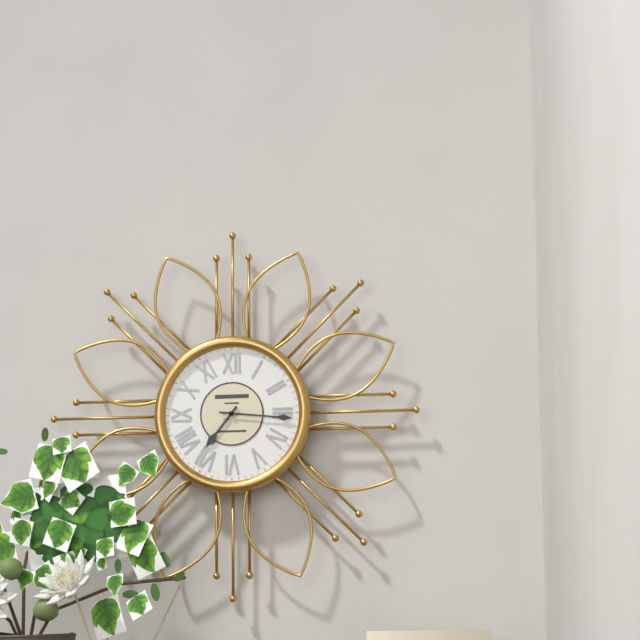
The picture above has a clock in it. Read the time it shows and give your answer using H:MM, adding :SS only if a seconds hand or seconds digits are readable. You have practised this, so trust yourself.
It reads 7:16
